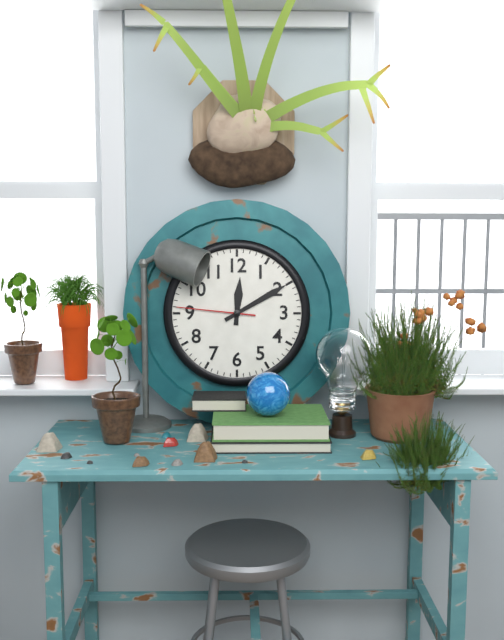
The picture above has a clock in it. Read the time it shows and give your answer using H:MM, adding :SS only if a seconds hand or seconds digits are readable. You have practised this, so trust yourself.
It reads 12:10:46
